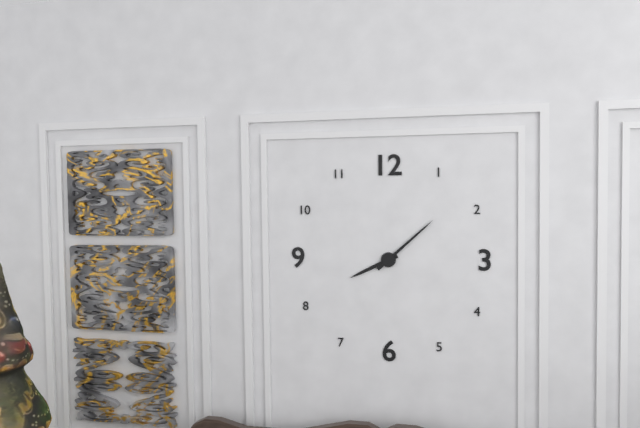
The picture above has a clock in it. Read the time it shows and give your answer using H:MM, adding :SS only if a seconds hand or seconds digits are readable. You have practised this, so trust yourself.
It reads 8:08
